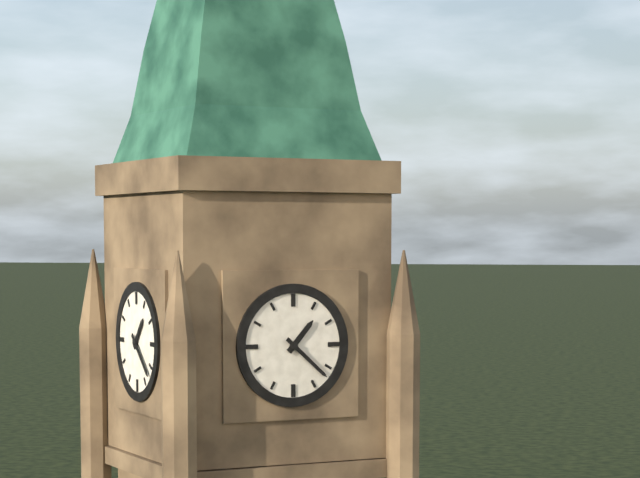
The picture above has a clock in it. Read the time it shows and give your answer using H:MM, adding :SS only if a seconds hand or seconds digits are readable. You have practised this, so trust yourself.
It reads 1:22
